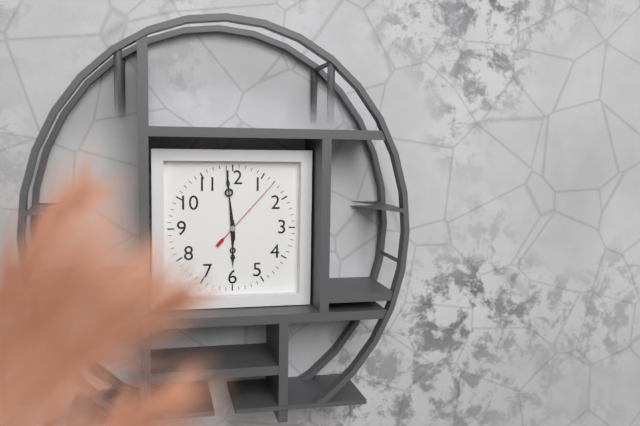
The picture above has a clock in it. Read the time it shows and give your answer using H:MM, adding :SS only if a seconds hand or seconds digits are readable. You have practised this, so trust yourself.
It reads 5:59:07
